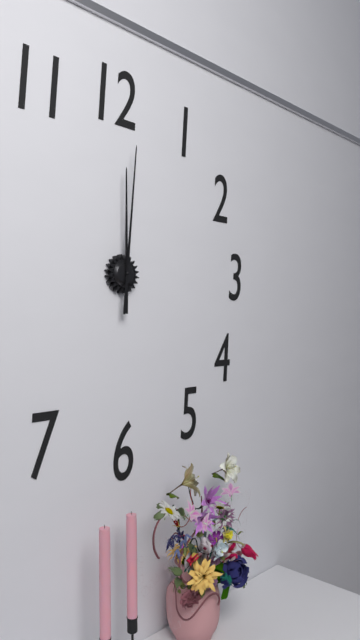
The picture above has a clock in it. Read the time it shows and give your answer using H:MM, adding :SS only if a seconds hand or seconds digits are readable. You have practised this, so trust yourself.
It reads 12:01
